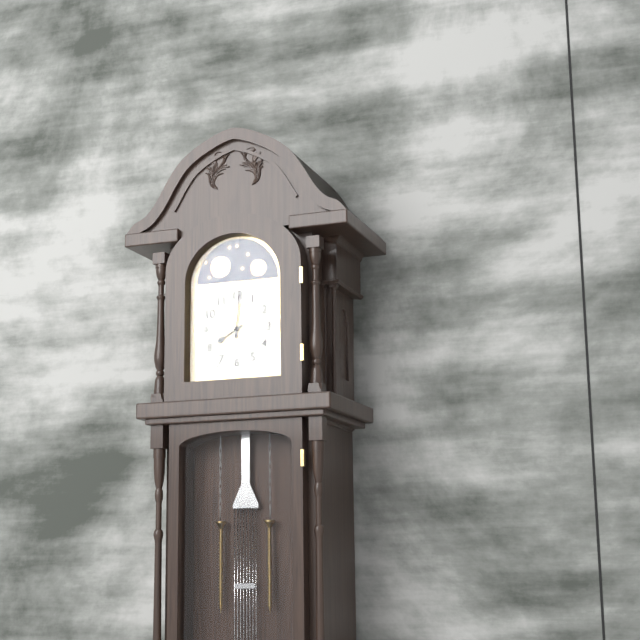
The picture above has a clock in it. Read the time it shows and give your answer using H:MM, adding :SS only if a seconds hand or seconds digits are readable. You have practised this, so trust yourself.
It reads 8:01
